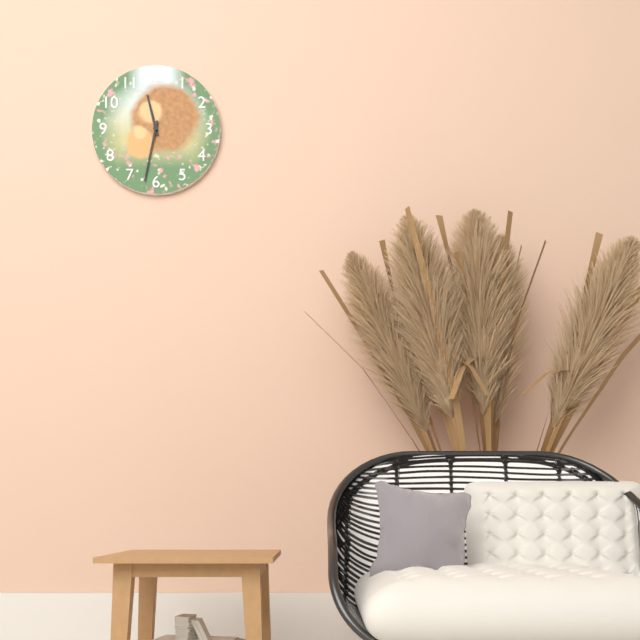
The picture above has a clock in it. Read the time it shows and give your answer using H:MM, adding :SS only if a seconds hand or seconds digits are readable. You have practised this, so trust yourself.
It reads 11:32
